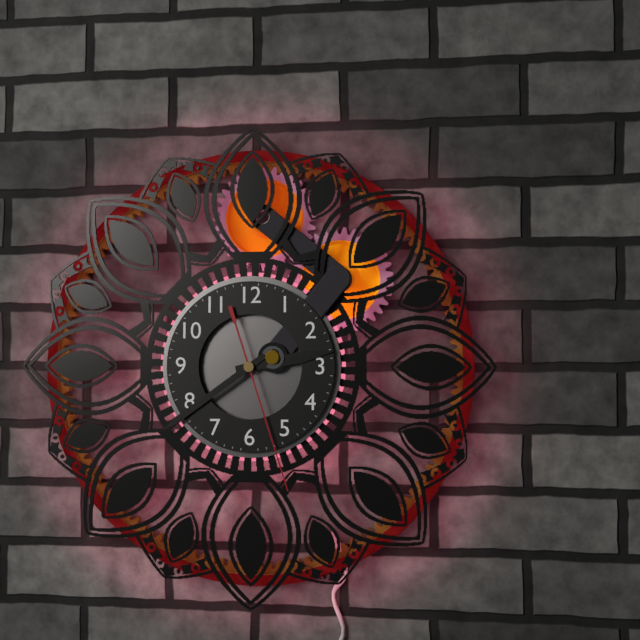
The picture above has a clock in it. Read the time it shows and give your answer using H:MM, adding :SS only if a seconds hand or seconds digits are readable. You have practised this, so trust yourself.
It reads 2:39:27
